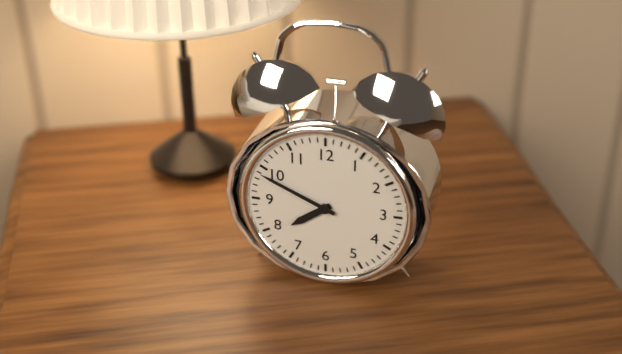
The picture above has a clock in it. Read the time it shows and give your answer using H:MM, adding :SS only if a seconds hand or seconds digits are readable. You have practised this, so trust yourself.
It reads 7:49
